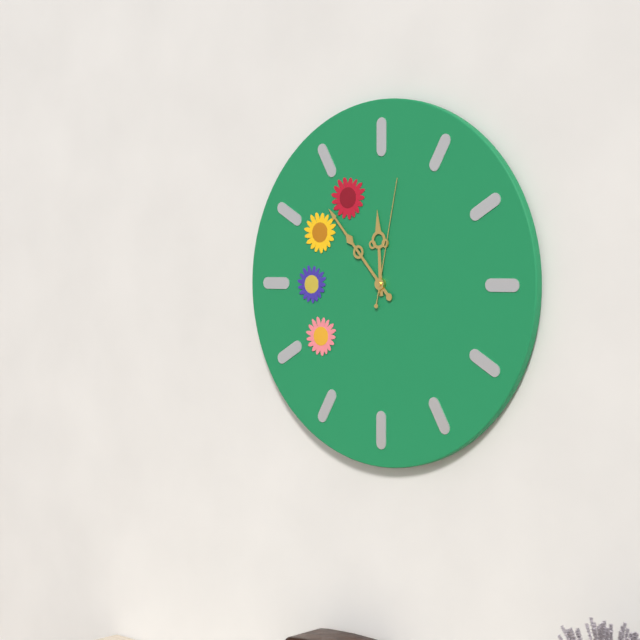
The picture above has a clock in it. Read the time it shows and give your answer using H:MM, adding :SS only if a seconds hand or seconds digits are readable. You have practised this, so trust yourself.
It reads 11:53:02
